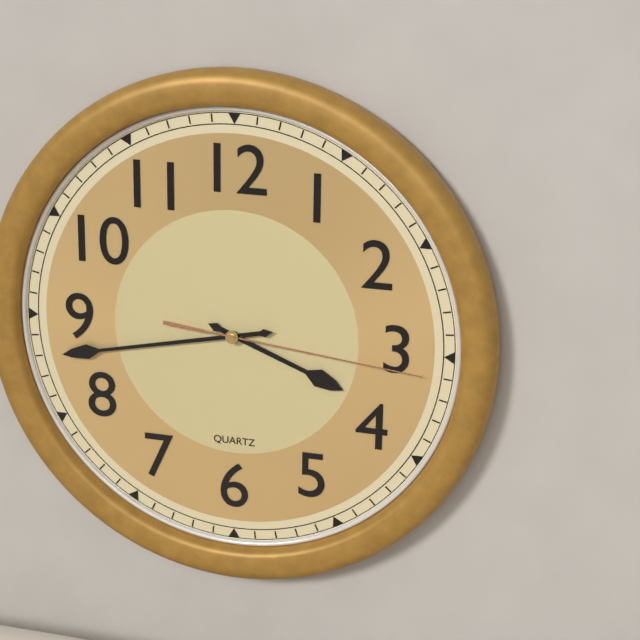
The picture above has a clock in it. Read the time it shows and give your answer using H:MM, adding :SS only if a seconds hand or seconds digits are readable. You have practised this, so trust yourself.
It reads 3:43:16
